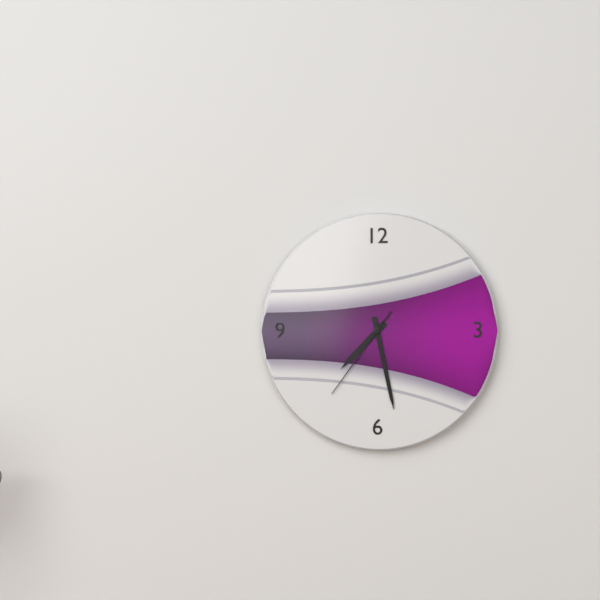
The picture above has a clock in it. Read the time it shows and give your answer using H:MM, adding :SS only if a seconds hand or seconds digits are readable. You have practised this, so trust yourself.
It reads 7:28:36
